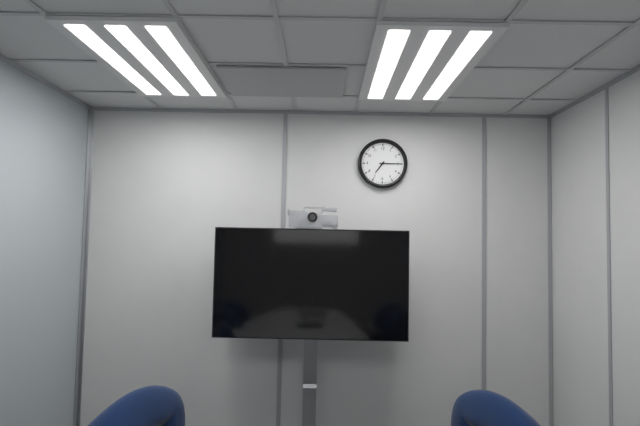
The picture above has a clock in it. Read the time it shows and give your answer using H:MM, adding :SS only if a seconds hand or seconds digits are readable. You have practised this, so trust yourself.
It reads 7:15
